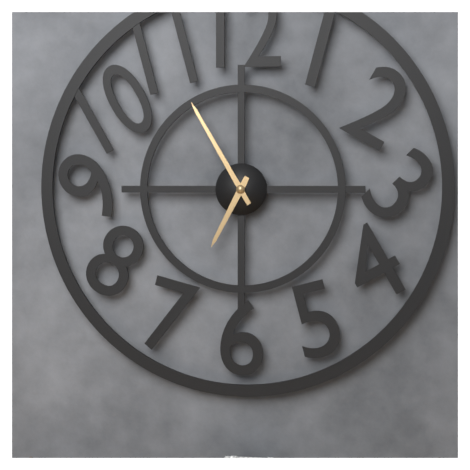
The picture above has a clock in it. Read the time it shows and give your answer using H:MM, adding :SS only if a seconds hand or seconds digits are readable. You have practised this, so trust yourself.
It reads 6:55
